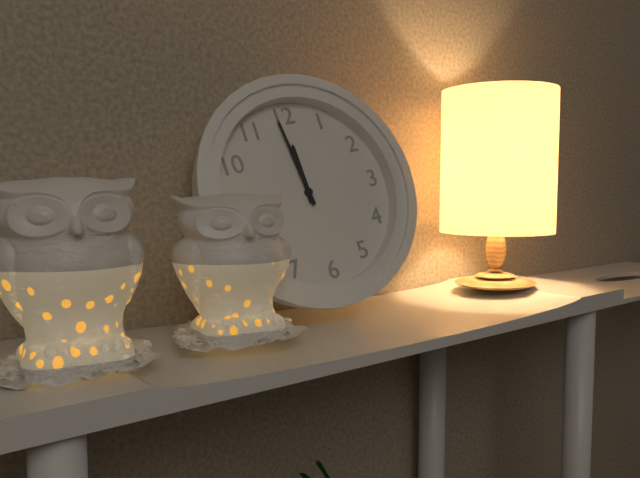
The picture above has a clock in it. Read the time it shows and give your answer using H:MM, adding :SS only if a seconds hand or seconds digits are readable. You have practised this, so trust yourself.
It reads 11:59
